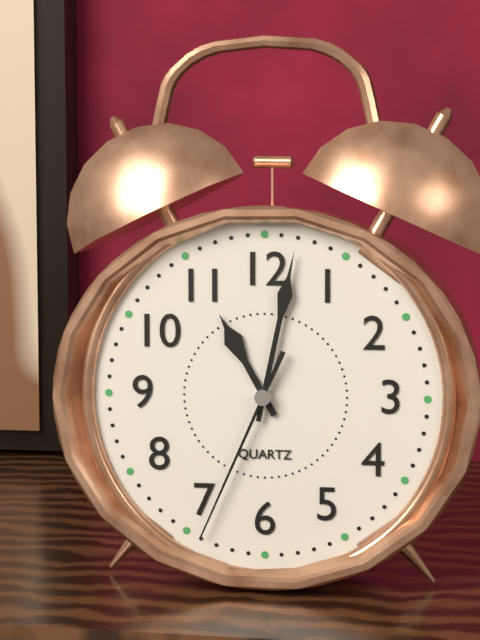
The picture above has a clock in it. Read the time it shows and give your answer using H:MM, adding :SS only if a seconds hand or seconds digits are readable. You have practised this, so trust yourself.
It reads 11:02:34
